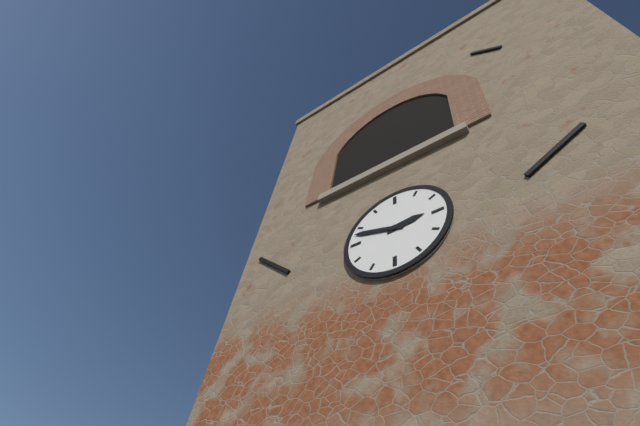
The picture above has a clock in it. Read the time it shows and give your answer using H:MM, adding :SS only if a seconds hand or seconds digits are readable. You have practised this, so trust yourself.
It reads 2:48
